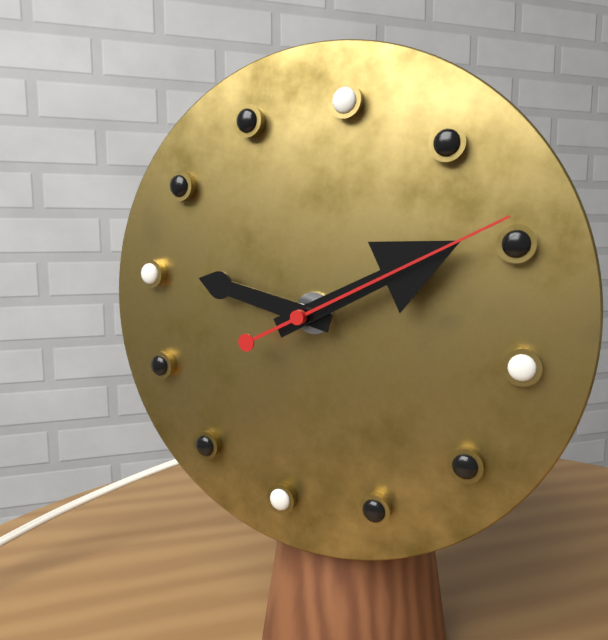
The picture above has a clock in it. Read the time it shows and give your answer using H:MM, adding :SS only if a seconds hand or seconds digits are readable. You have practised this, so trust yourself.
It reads 9:09:09
